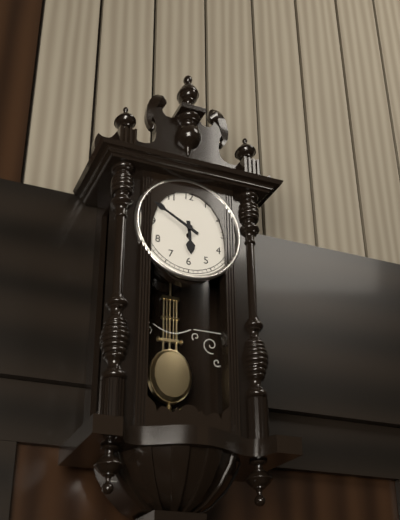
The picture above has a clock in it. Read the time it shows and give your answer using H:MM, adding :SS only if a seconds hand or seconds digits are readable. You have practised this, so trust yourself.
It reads 5:50
